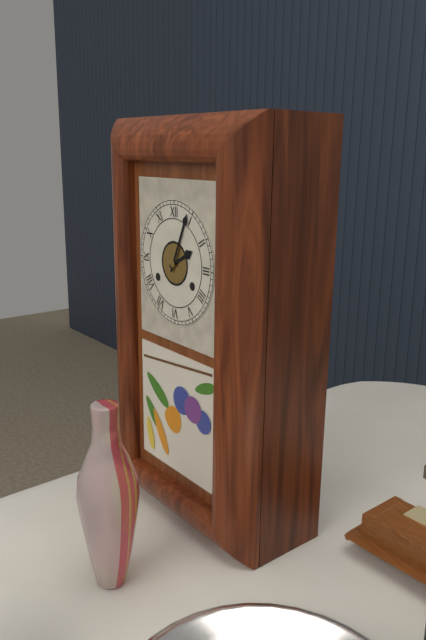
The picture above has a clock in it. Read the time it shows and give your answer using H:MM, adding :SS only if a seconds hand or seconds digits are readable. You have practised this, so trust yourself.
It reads 2:04
